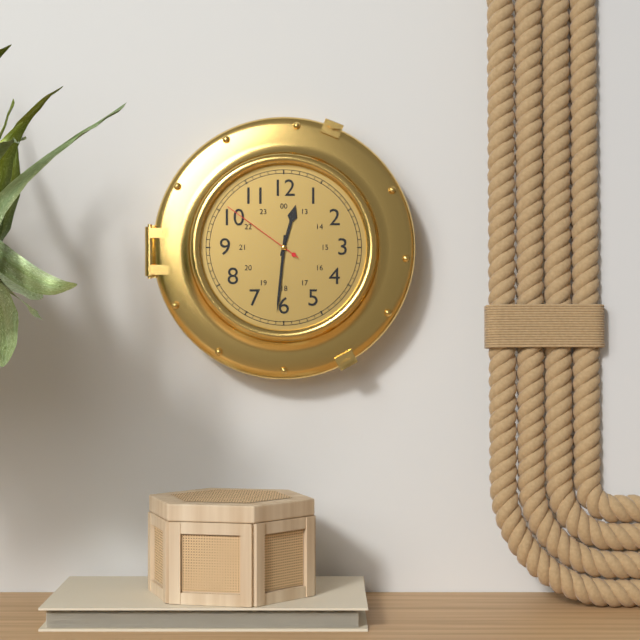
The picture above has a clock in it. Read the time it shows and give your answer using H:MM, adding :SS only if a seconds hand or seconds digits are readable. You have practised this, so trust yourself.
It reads 12:31:51
